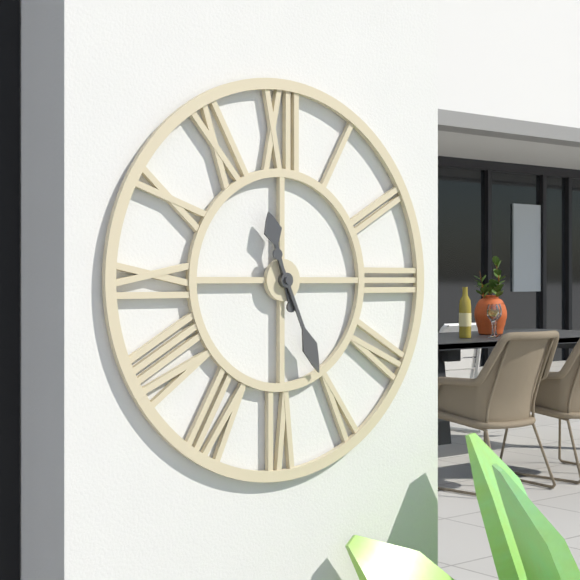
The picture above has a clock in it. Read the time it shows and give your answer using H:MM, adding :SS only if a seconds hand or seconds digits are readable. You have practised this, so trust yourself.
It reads 11:26
